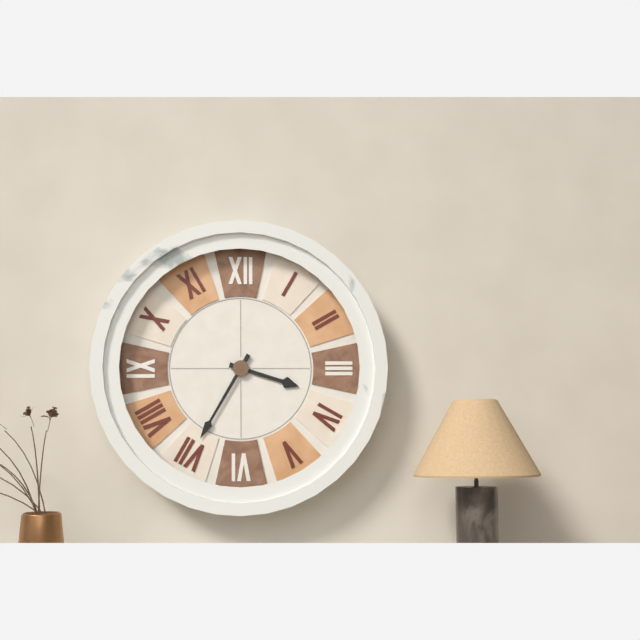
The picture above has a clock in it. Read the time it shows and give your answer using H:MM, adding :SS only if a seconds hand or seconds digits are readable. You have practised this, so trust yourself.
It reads 3:35
